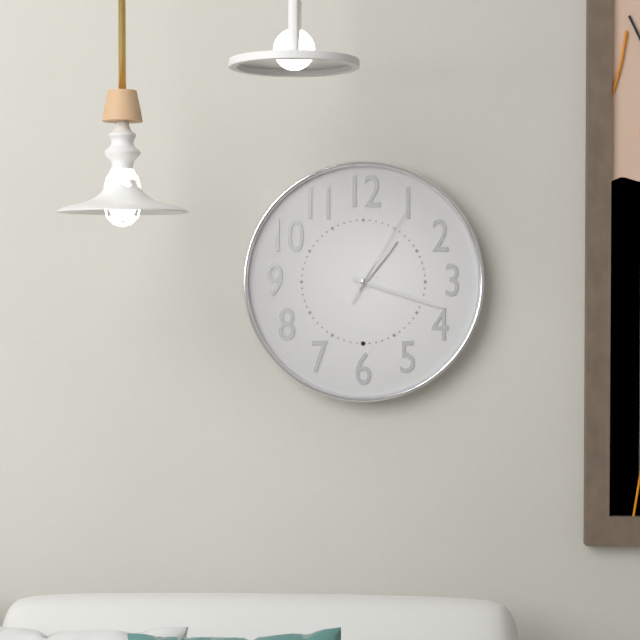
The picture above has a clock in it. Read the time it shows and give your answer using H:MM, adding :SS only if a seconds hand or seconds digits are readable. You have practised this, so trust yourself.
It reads 1:18:05
